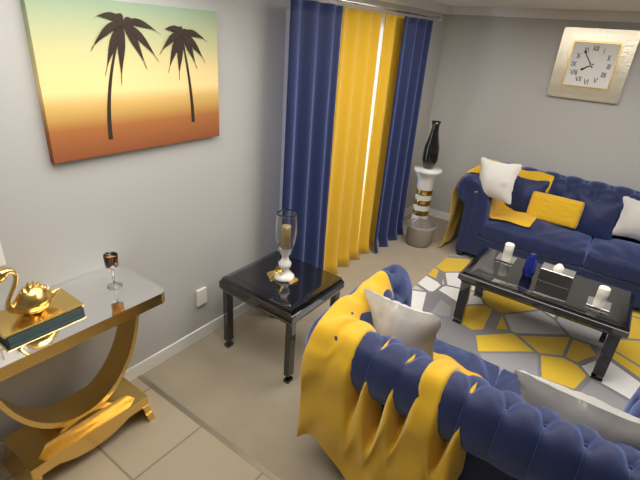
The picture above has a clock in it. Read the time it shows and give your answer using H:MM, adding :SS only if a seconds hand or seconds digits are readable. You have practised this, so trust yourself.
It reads 7:54
